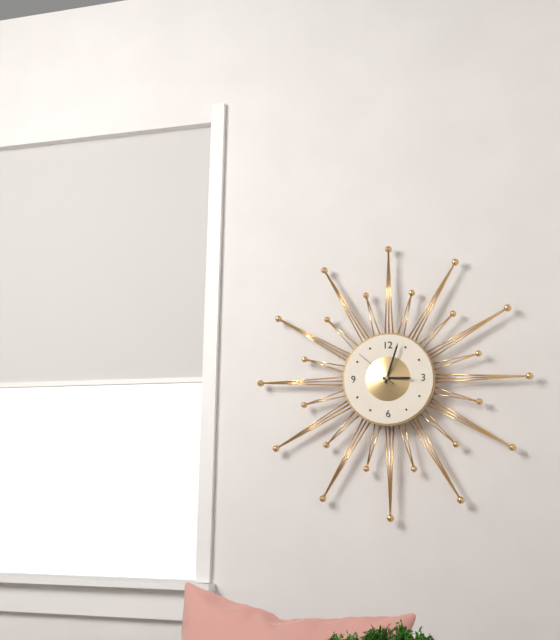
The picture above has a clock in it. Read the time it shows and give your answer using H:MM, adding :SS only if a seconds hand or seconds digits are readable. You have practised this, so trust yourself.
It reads 3:03
